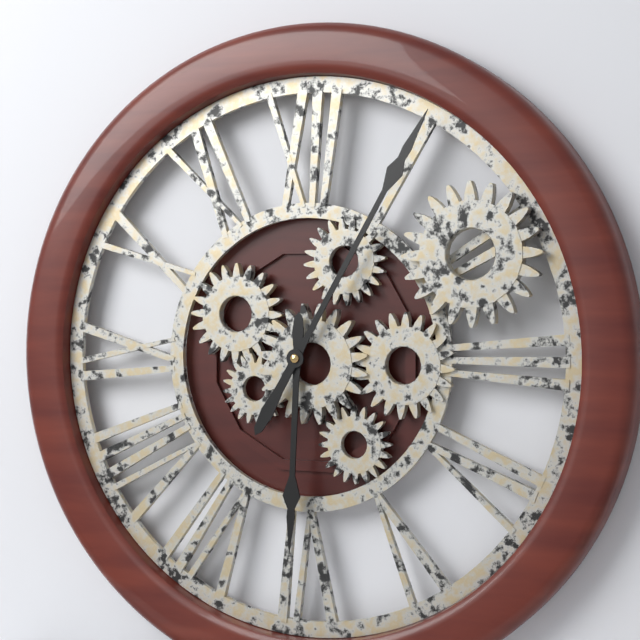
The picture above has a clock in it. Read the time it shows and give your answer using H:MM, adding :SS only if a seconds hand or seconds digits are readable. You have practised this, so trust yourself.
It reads 6:05
